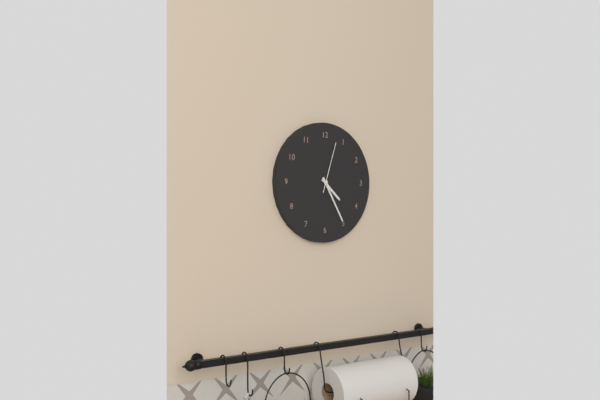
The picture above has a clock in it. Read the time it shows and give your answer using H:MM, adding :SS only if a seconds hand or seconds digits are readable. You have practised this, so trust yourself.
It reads 4:25:03
